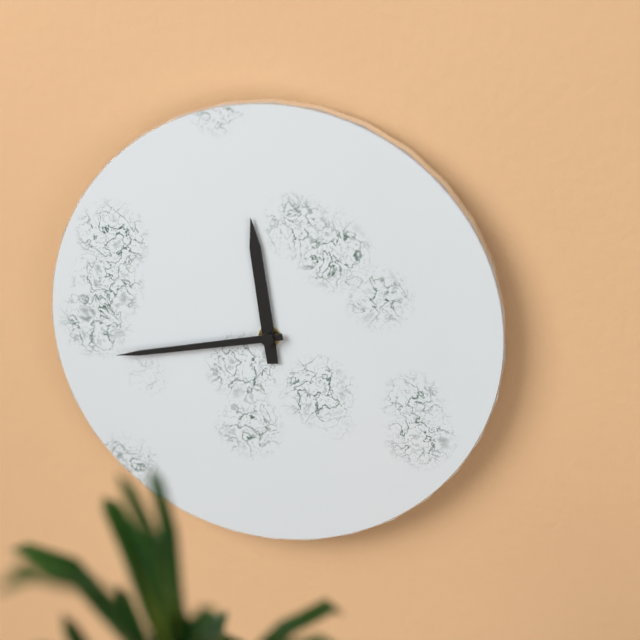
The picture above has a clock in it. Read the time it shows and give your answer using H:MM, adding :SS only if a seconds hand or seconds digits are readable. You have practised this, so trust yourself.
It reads 11:43
